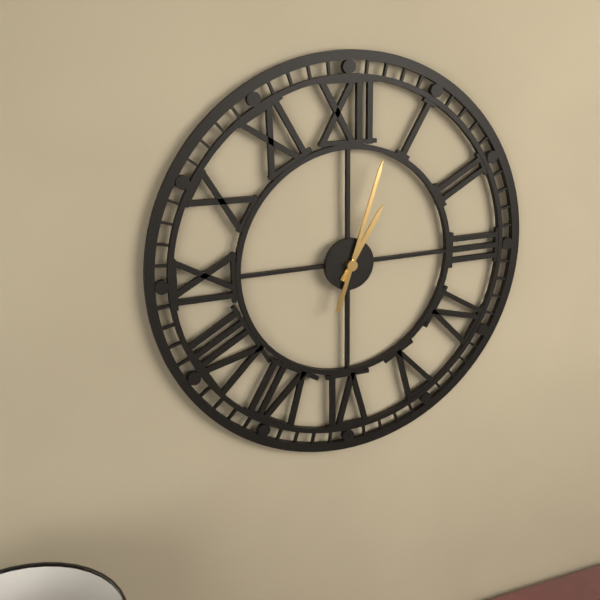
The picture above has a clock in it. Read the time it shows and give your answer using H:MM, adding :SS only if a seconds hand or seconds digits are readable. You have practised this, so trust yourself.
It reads 1:03
